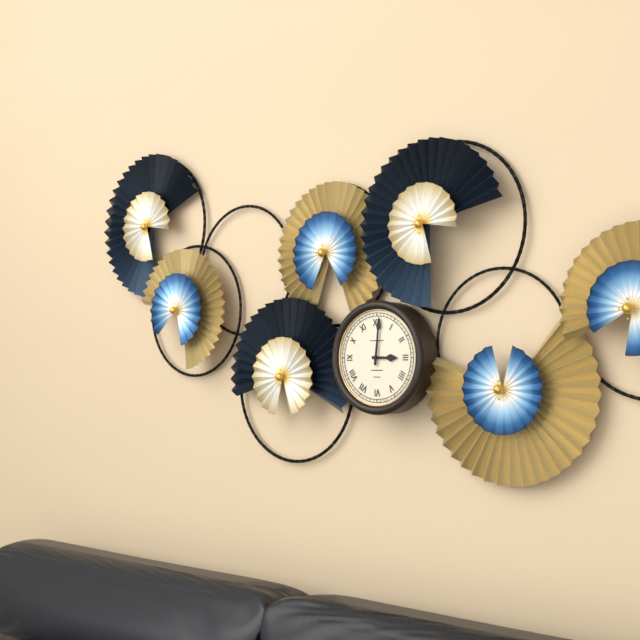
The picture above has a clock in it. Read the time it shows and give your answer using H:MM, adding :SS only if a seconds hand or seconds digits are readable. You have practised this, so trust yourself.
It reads 3:01
